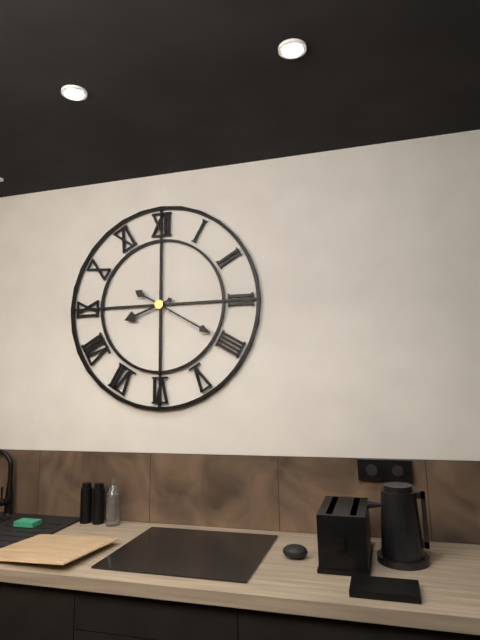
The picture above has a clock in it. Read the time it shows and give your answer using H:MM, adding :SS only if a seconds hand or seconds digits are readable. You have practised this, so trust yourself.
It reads 8:20
